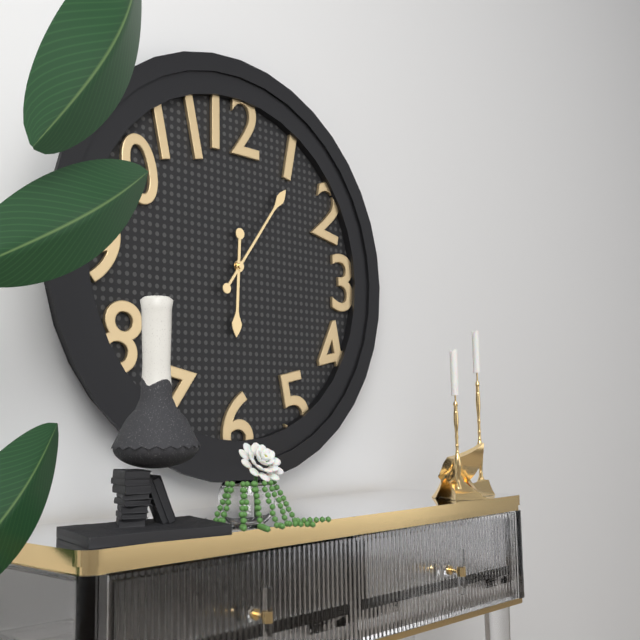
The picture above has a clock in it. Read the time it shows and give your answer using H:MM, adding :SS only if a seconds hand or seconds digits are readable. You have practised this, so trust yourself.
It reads 6:06
